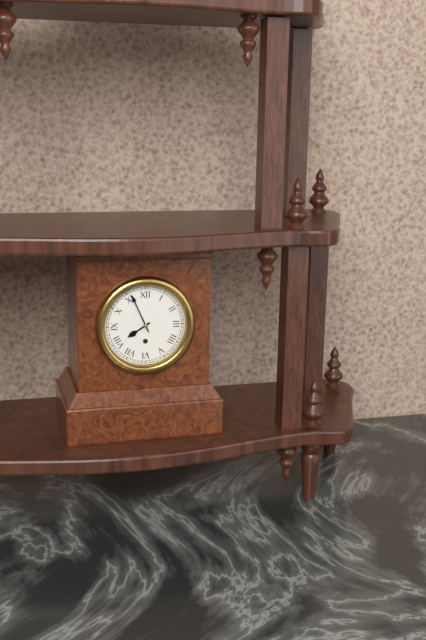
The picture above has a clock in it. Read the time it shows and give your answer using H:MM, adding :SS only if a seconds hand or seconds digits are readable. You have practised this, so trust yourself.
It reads 7:56
